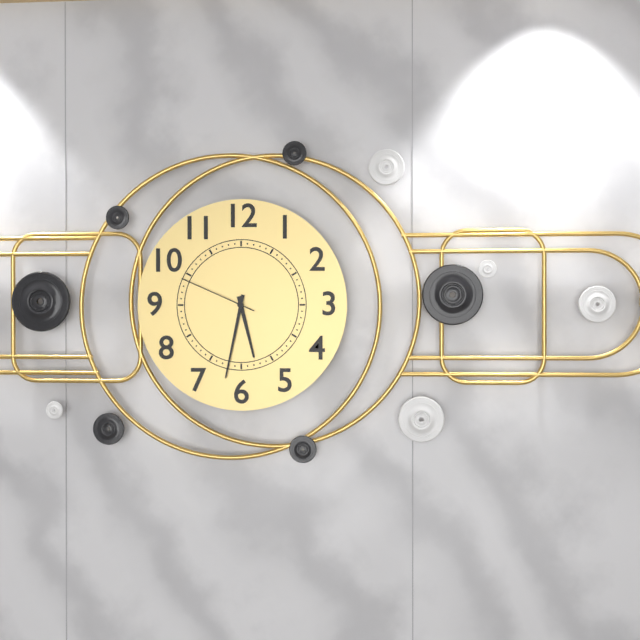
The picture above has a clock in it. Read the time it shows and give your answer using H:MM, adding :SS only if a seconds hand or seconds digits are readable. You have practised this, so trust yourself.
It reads 5:32:49
